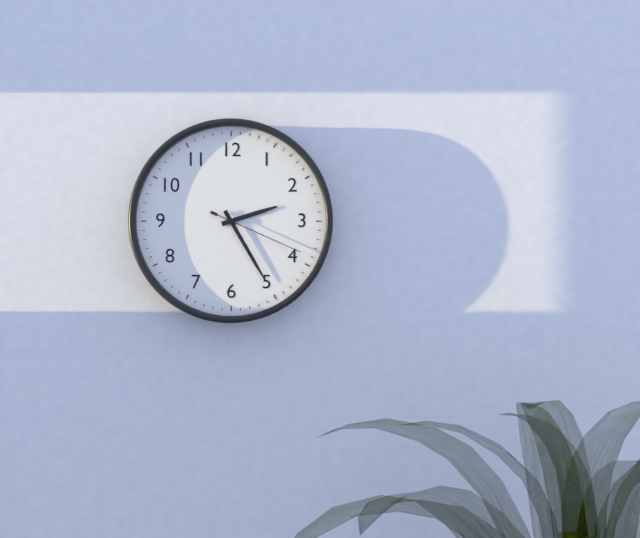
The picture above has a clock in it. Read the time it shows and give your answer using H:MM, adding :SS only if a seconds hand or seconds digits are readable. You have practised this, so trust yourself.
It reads 2:25:19
